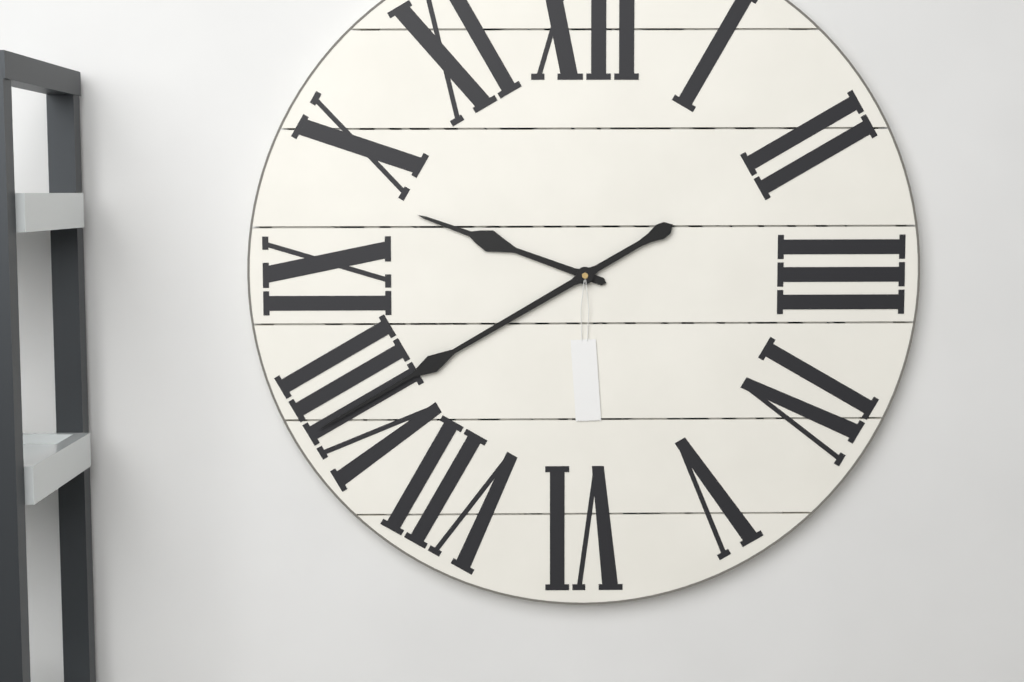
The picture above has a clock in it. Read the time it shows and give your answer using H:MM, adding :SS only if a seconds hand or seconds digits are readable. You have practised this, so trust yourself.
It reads 9:40
